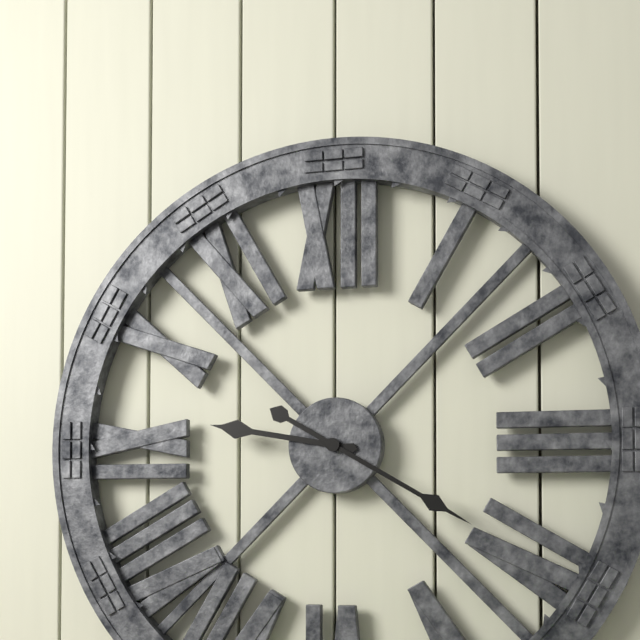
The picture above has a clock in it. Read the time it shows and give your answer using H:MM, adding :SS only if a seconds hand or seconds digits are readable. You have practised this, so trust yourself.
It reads 9:20
